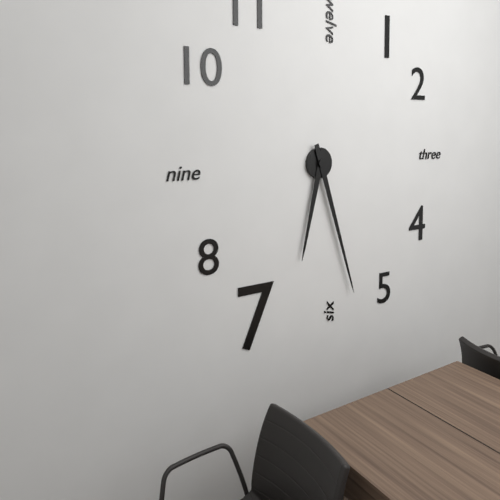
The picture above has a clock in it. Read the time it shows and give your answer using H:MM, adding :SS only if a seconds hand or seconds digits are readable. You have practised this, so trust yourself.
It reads 6:27
